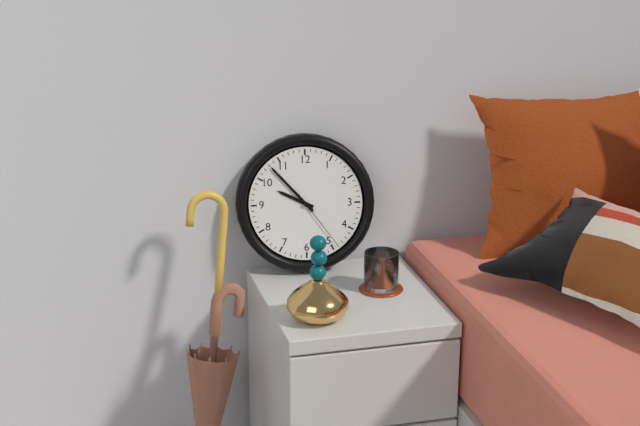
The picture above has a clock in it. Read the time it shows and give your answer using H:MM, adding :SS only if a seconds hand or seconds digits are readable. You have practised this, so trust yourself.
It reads 9:53:24
